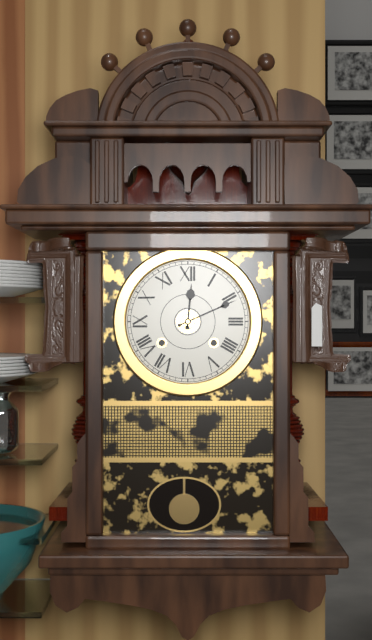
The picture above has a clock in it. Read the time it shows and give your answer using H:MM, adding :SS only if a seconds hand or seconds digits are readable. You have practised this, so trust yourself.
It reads 12:11
